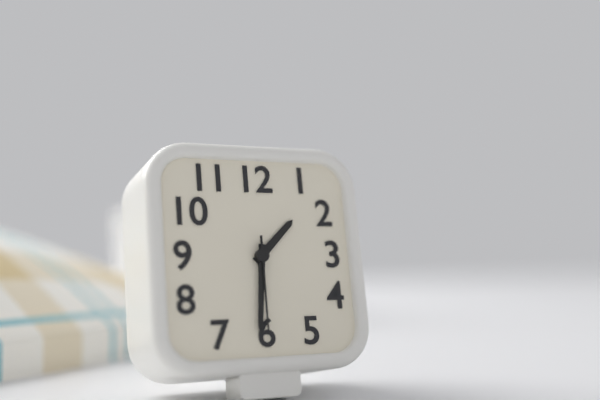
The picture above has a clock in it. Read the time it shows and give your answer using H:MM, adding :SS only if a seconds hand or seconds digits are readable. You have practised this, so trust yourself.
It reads 1:31:30
